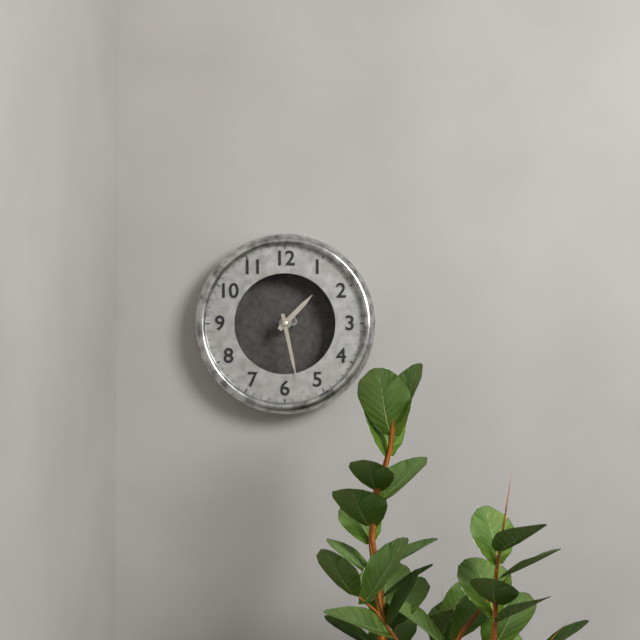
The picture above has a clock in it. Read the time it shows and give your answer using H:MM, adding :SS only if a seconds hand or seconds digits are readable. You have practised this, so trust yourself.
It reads 1:28
